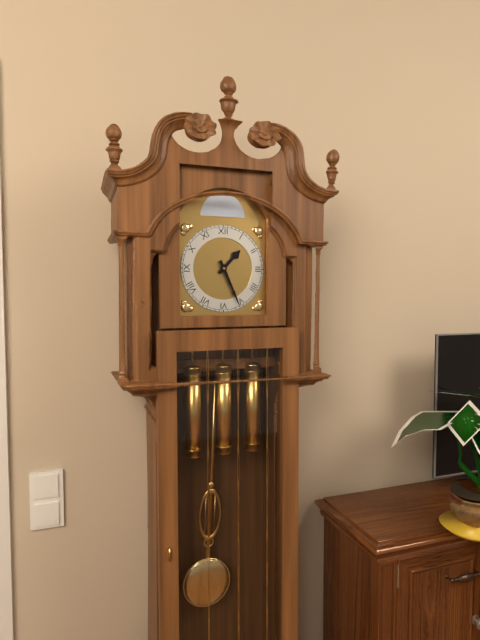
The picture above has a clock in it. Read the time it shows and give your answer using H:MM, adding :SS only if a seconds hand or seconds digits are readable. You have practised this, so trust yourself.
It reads 1:26
